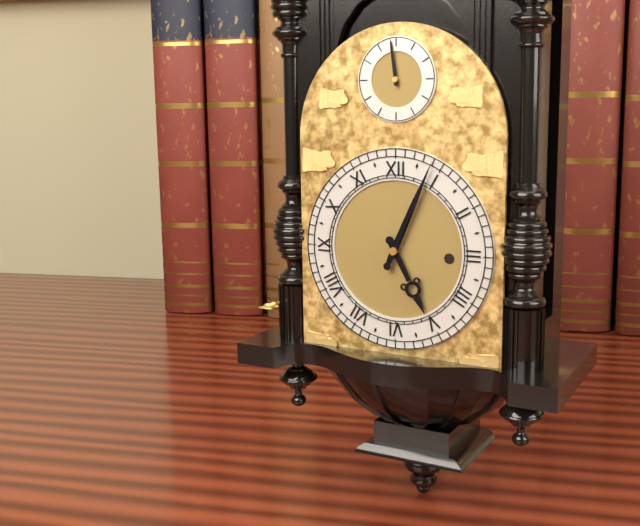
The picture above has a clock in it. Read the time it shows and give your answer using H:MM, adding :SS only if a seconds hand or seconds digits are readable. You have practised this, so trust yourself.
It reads 5:04
